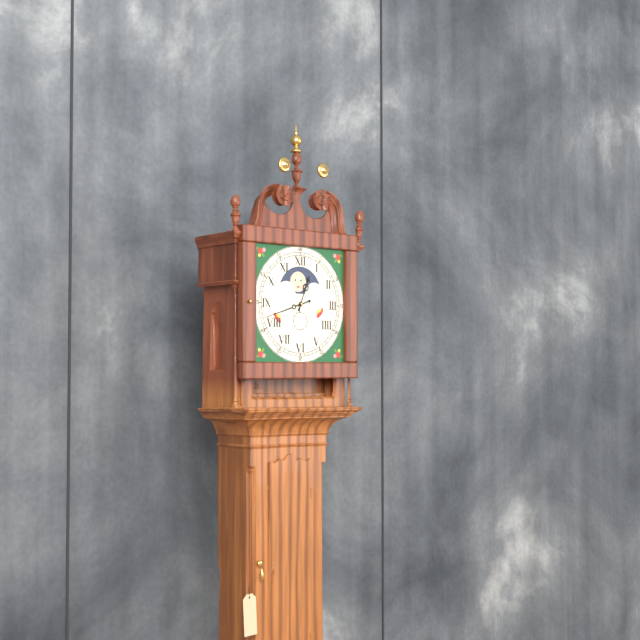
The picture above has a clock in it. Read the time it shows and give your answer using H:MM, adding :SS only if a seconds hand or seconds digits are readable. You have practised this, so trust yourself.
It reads 12:42
